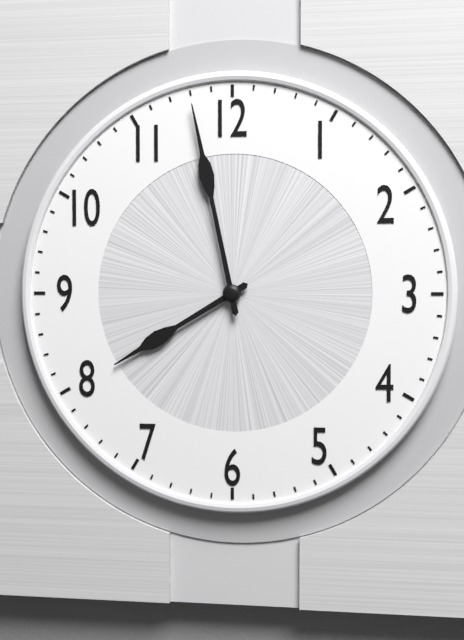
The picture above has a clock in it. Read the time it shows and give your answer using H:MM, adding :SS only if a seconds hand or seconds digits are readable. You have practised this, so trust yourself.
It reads 7:58
